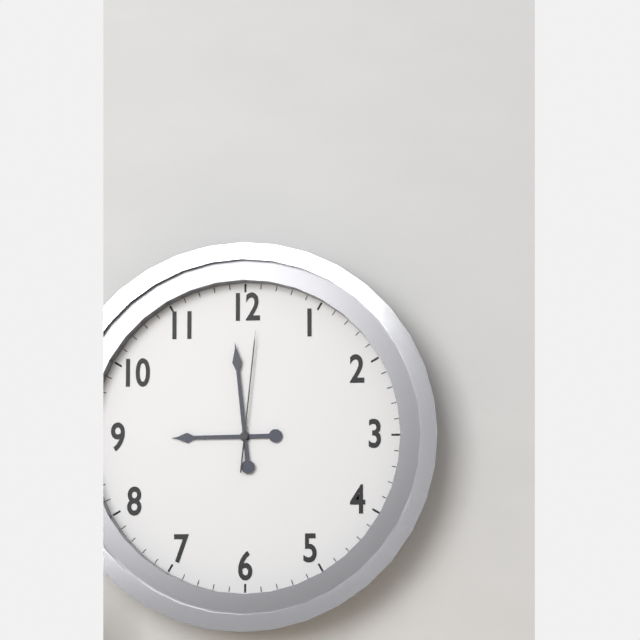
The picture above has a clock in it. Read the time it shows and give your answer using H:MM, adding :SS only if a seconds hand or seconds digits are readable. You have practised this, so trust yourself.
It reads 8:59:01
